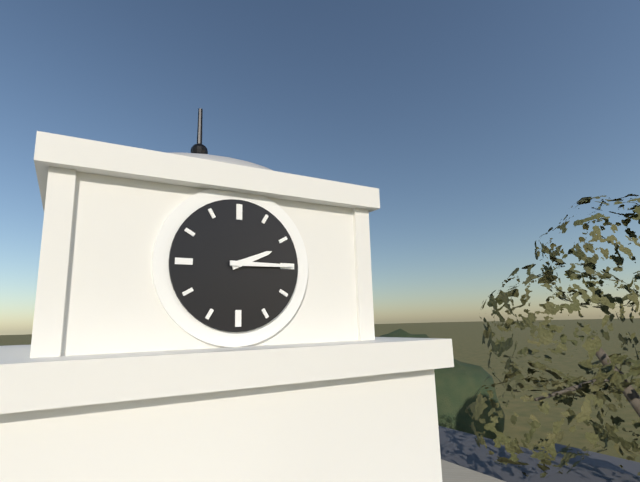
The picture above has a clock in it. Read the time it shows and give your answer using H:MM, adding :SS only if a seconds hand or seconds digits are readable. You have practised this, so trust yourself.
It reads 2:15
